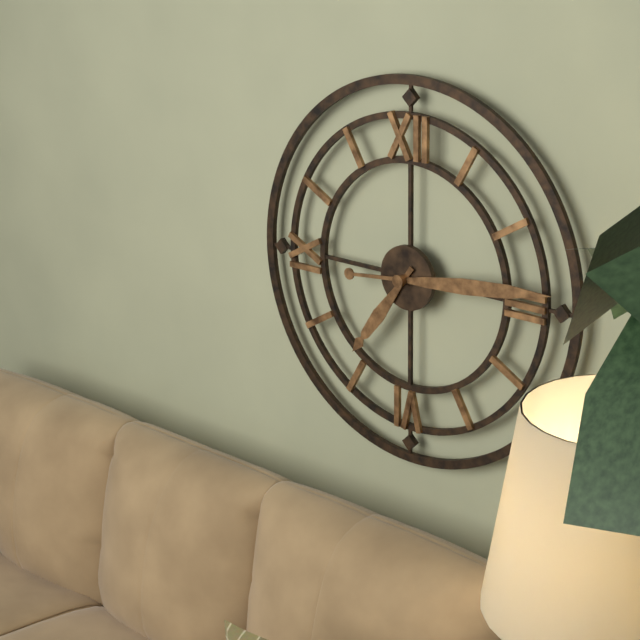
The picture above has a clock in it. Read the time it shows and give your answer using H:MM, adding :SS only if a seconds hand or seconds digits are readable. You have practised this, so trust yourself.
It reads 7:14
